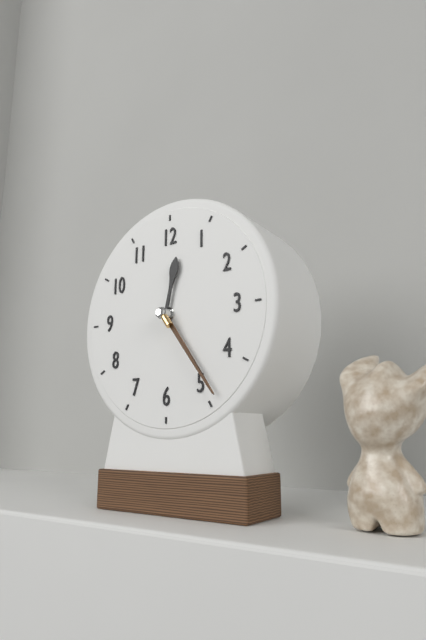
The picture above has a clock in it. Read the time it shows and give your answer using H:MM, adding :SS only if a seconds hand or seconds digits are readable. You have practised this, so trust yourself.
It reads 12:24
